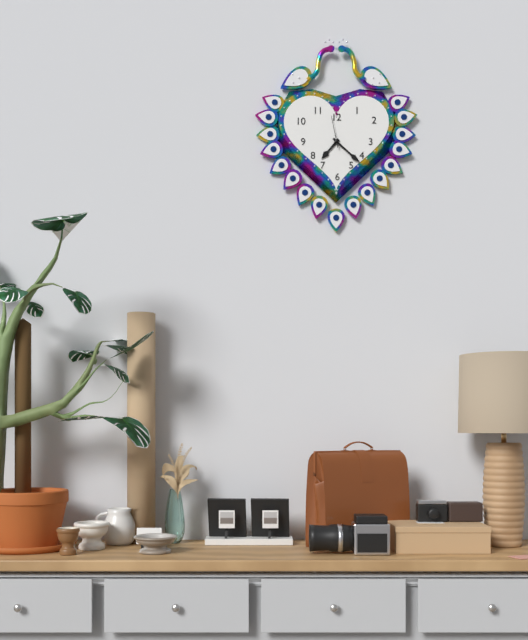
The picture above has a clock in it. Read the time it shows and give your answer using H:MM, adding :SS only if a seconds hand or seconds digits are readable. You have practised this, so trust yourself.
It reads 7:22
